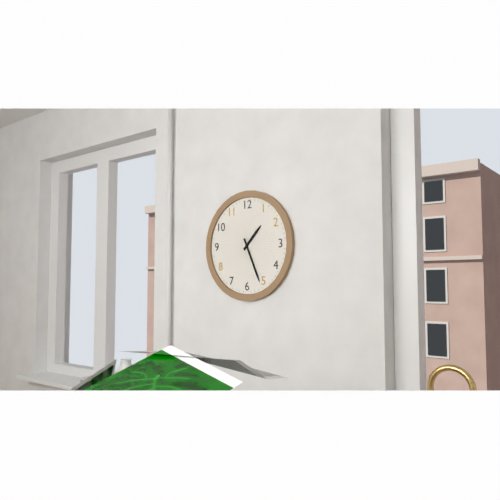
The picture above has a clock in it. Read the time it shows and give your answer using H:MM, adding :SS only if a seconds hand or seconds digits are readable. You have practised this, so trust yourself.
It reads 1:26
